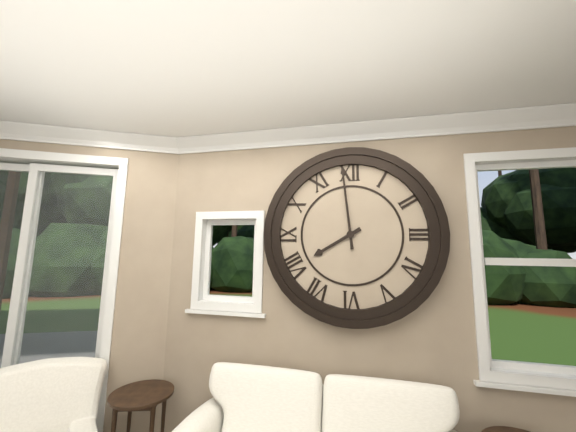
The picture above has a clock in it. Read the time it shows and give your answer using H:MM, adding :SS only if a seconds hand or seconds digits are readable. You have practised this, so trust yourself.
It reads 7:59
